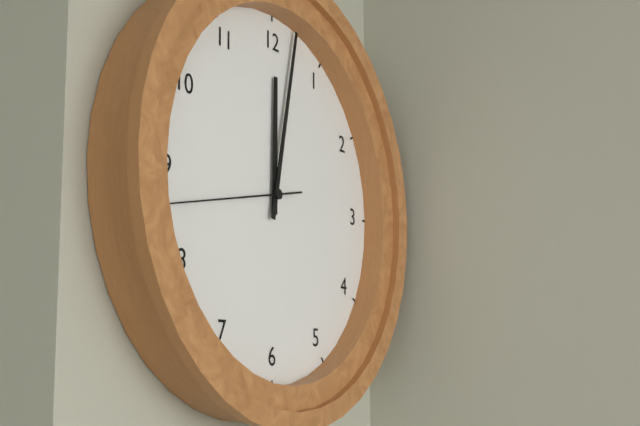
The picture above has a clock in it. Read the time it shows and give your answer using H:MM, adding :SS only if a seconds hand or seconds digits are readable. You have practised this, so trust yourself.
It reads 12:02:43
